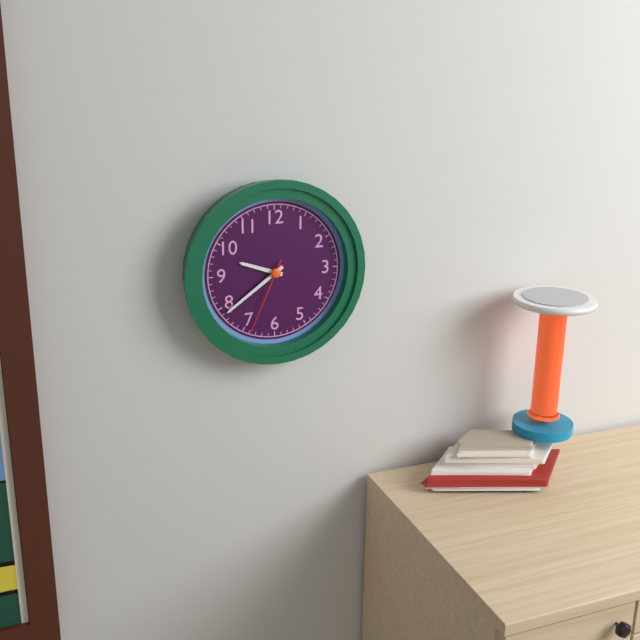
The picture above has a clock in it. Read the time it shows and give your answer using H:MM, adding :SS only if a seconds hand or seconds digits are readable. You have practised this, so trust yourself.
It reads 9:39:34
